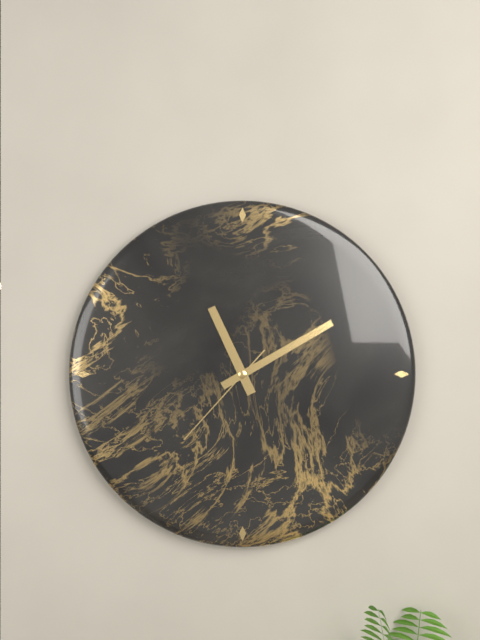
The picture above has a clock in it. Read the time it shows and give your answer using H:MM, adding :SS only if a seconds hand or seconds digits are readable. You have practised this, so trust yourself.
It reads 11:10:37
